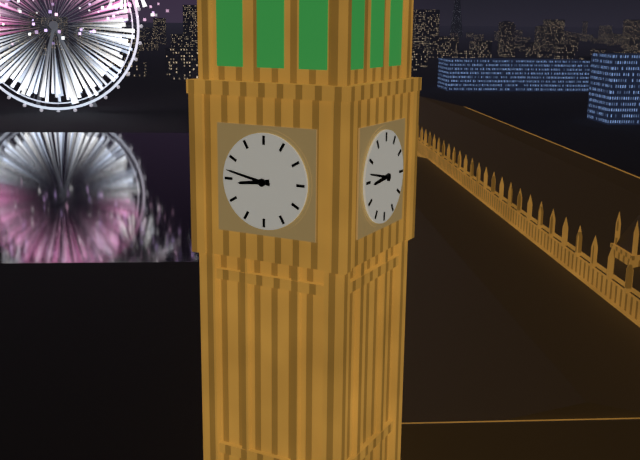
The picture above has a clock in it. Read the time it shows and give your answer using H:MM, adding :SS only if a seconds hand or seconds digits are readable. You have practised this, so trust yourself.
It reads 8:47
